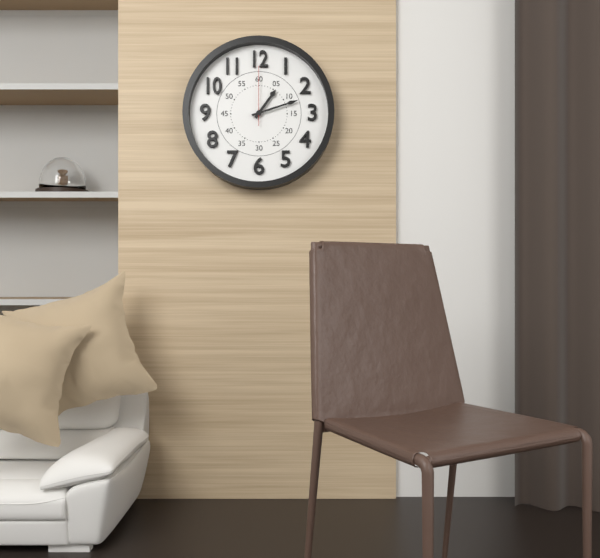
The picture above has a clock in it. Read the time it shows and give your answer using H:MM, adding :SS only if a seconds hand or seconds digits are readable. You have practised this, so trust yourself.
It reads 1:12:00
